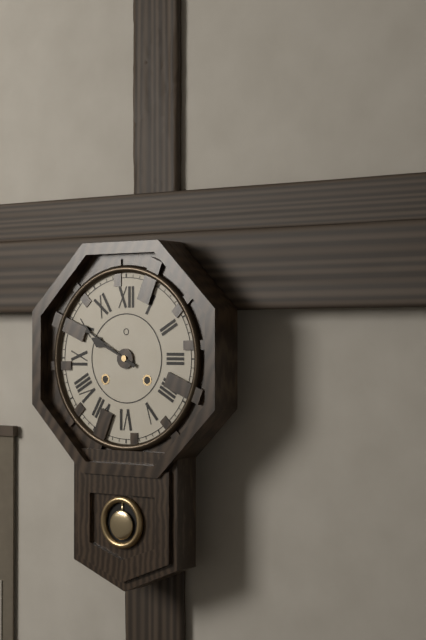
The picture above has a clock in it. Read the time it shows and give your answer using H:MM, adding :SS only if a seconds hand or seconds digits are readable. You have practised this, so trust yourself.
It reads 9:50
